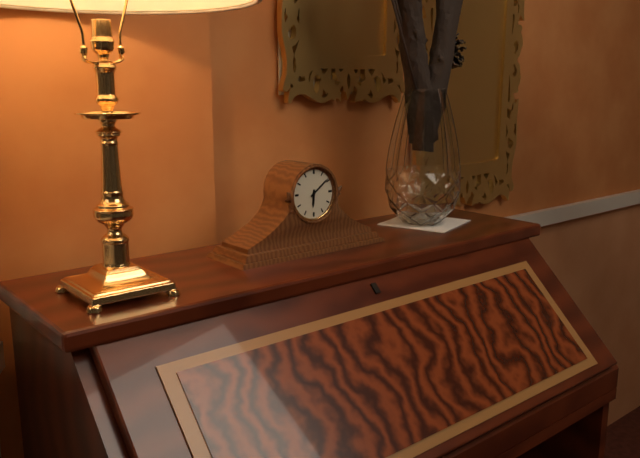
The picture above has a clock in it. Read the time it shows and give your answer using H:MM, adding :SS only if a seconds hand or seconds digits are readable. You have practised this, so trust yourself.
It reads 6:09
